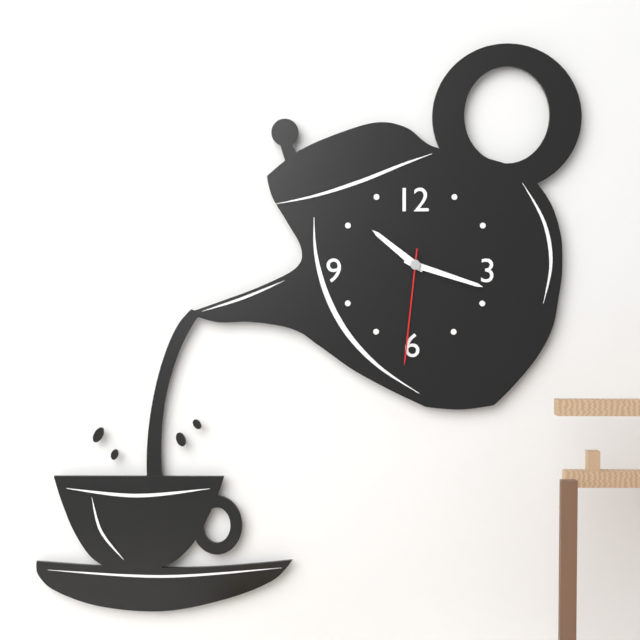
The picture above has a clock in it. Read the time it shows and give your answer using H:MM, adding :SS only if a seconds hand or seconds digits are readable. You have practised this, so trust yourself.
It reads 10:18:31
